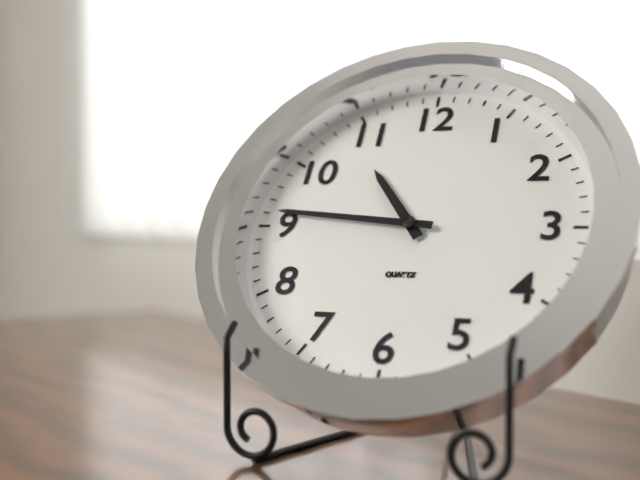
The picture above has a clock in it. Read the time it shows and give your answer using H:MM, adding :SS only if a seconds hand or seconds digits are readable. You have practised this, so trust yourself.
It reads 10:46
